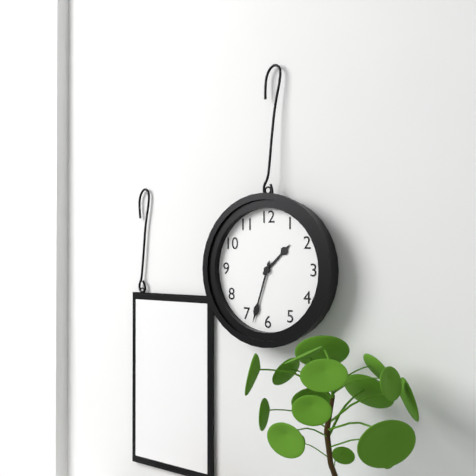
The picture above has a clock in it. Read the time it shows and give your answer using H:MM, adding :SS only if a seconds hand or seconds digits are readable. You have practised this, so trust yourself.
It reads 1:33
